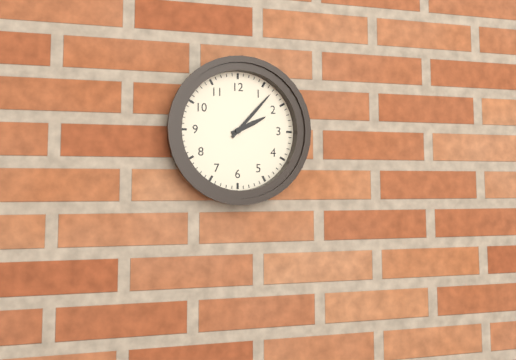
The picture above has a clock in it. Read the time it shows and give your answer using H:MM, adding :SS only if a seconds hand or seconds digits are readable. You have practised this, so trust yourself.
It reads 2:07
